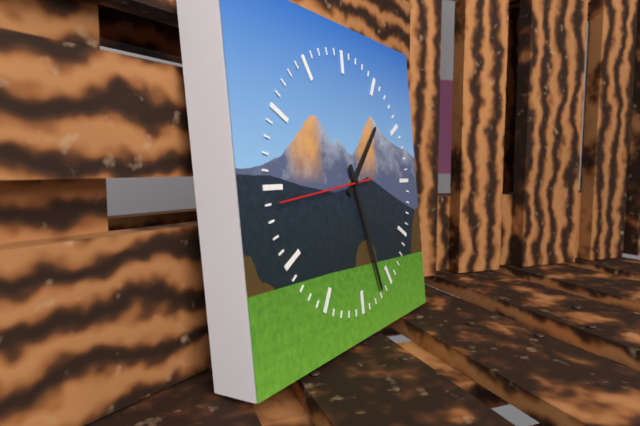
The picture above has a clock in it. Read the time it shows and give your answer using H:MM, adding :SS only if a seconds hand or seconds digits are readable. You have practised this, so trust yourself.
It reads 1:27:44
